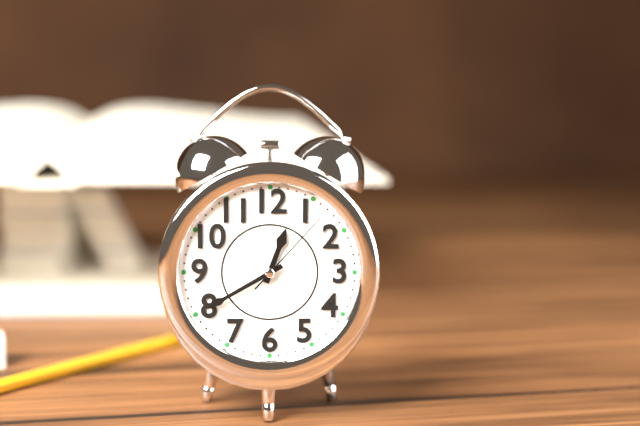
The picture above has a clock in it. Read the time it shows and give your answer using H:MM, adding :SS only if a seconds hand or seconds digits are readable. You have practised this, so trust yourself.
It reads 12:40:07
